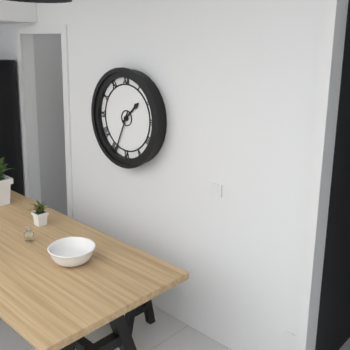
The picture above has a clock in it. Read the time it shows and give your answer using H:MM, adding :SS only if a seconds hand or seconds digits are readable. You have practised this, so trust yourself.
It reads 1:34
